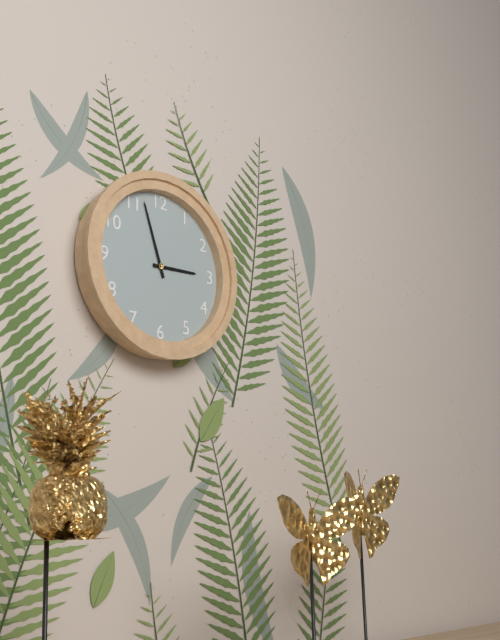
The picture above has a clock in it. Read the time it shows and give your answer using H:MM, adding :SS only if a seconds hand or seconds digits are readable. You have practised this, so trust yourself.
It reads 2:57
